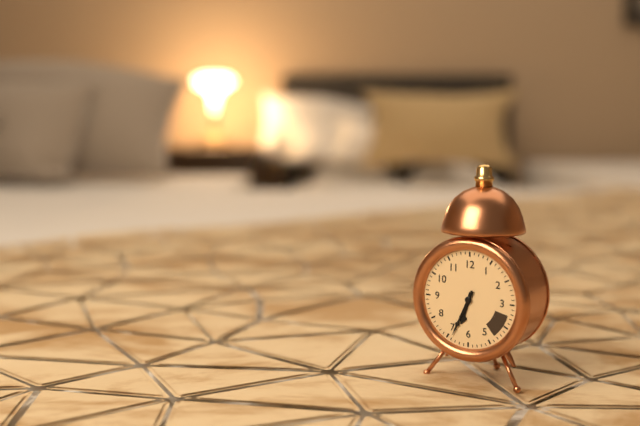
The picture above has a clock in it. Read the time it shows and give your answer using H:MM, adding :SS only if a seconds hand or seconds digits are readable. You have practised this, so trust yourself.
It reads 6:34
